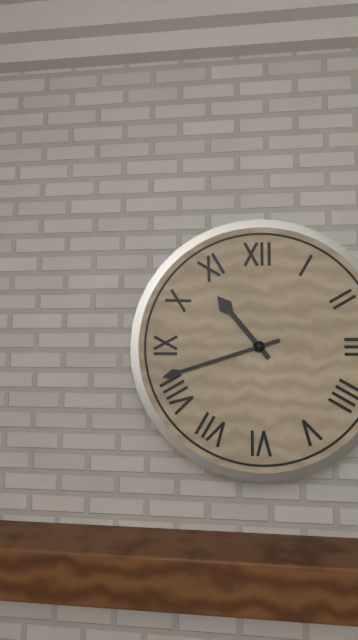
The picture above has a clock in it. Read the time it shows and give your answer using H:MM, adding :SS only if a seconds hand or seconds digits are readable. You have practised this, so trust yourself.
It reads 10:42
